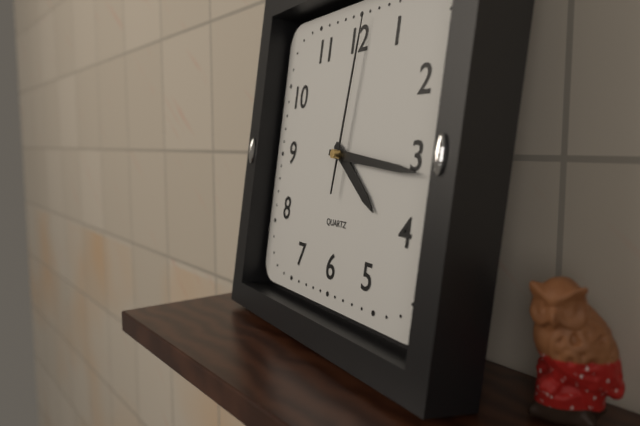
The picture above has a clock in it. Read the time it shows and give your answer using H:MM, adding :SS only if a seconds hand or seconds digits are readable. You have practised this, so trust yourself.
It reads 4:16:01
